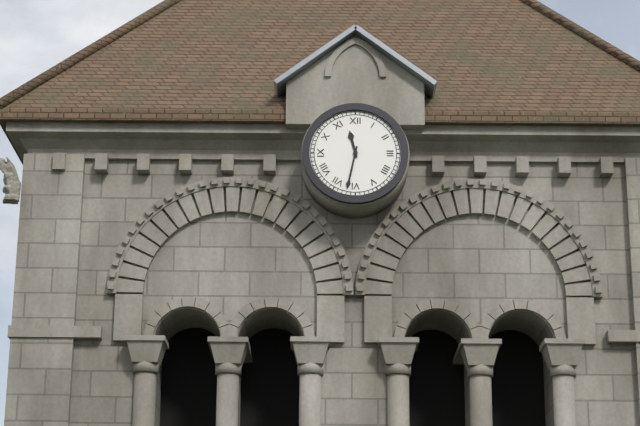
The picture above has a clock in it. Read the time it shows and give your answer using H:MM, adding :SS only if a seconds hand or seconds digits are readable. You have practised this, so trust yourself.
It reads 11:32
